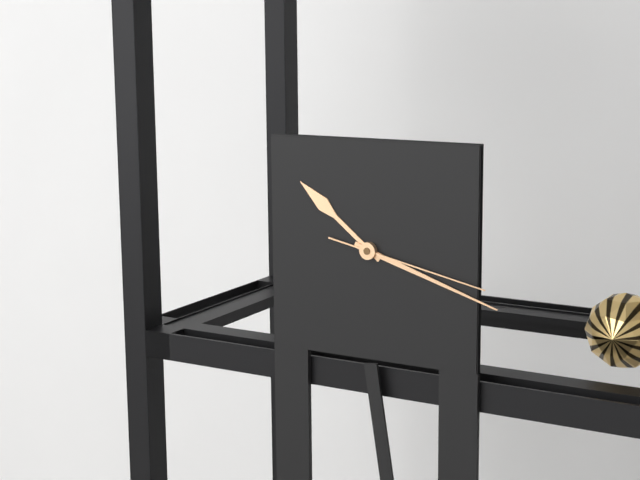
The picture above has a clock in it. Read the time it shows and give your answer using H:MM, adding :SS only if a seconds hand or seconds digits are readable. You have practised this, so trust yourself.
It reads 10:18:17
